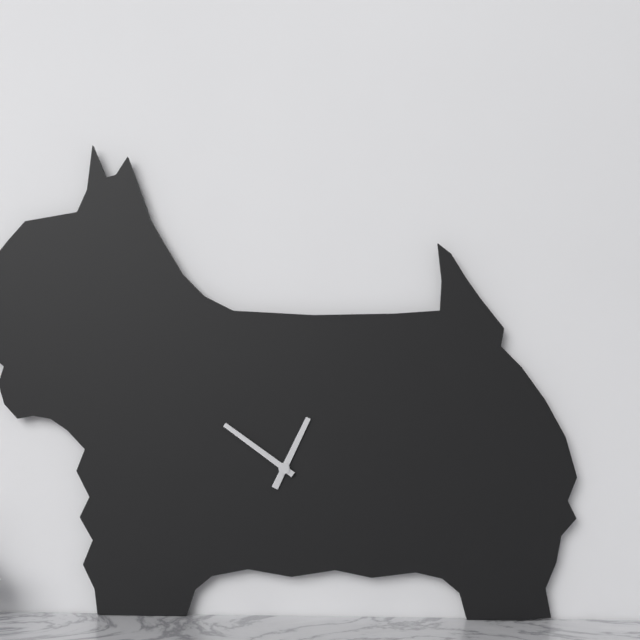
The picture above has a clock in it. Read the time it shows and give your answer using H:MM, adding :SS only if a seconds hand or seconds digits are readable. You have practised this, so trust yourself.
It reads 12:51
